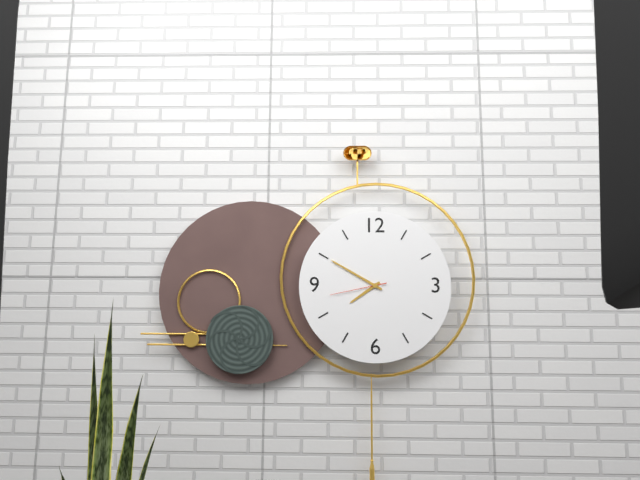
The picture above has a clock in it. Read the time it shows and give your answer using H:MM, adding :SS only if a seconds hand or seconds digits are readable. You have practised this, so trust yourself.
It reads 7:50:43
